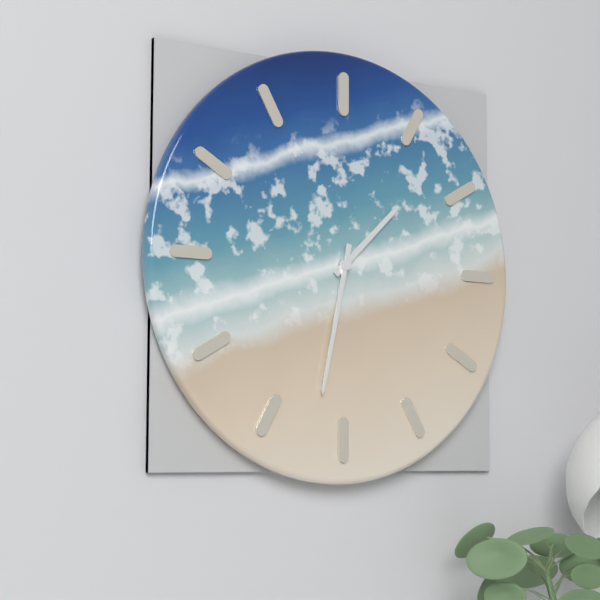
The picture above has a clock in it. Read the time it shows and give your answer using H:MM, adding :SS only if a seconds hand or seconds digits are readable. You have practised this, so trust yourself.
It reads 1:32
